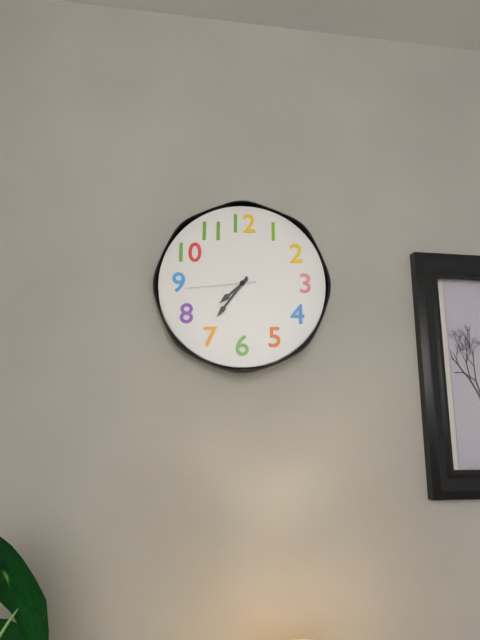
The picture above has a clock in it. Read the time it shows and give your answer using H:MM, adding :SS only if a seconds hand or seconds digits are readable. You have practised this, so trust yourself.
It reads 7:36:44
